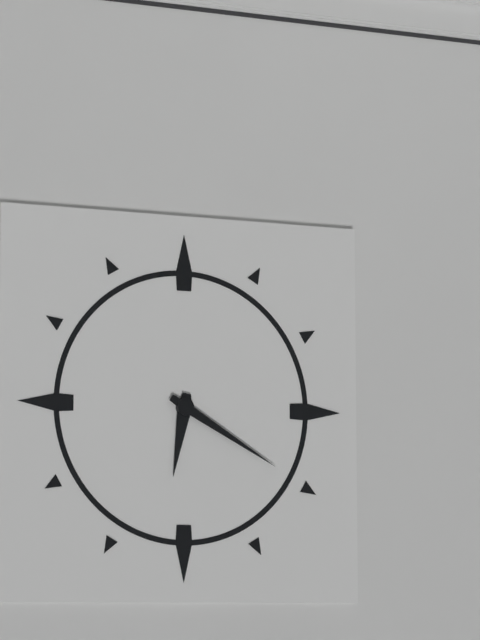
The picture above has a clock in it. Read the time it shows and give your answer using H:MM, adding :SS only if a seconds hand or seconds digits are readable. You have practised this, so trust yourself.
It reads 6:20
